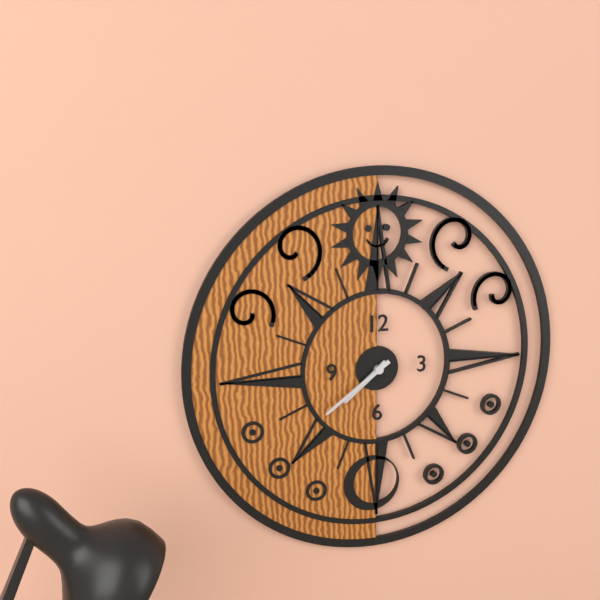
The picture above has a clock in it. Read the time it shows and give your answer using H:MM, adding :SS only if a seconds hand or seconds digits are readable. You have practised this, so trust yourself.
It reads 7:39
